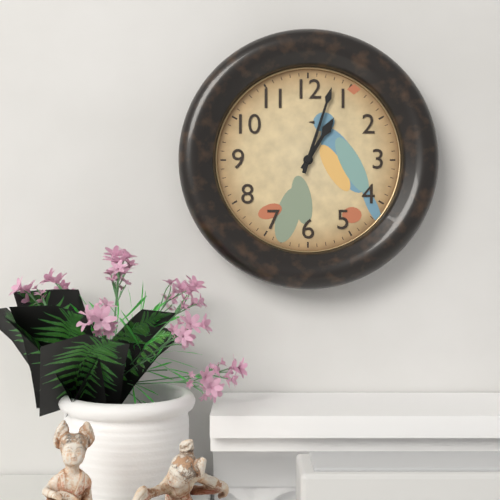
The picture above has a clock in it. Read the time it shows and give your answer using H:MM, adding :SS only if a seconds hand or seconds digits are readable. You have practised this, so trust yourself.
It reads 1:03
